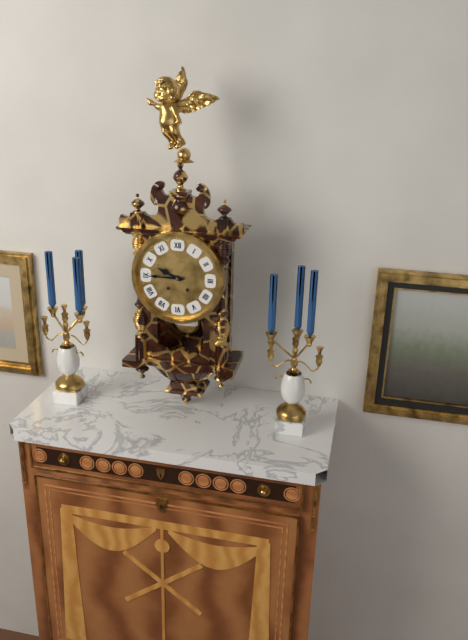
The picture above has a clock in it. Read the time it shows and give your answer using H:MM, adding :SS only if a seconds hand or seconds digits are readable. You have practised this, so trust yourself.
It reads 9:45
